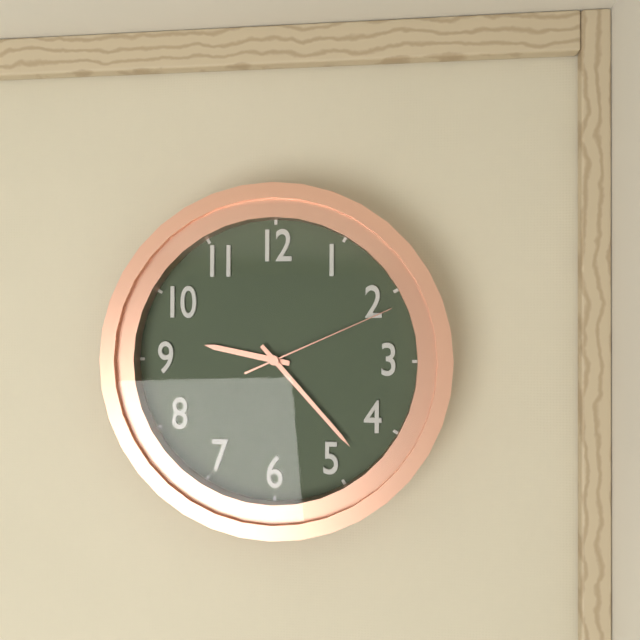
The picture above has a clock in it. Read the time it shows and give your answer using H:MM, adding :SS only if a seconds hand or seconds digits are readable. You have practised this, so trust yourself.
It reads 9:23:11
